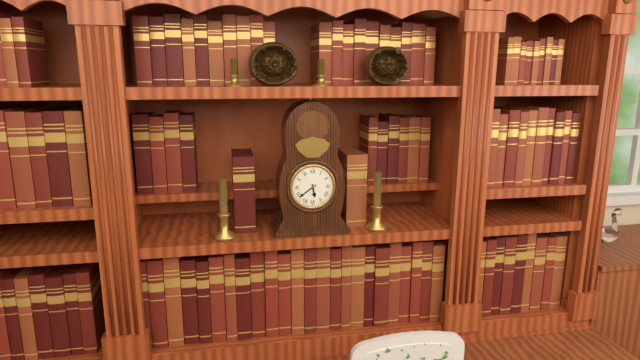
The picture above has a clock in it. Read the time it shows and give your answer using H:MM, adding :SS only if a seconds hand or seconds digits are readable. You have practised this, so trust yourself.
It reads 5:39
